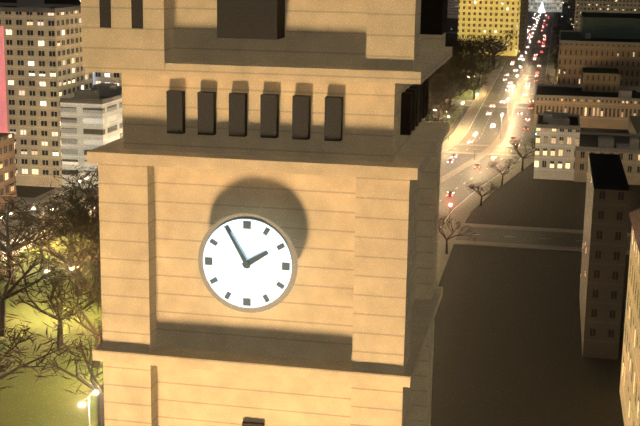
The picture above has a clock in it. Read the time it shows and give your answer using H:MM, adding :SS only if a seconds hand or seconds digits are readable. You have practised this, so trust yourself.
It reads 1:55
